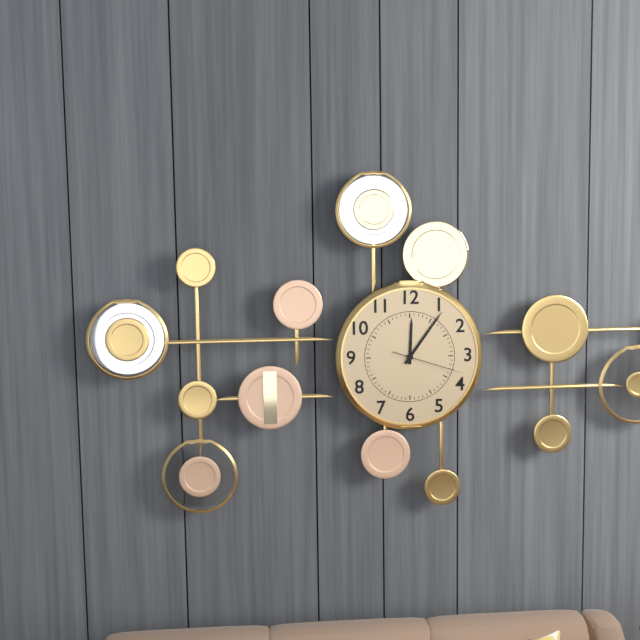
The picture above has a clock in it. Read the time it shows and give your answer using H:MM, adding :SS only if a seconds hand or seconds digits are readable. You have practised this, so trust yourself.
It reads 12:06:18
